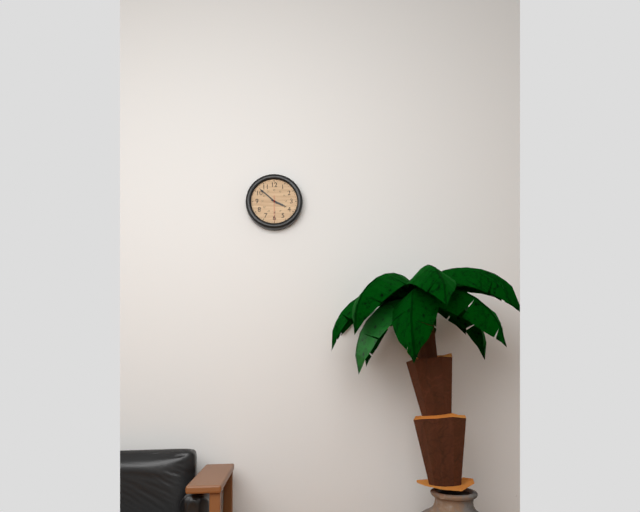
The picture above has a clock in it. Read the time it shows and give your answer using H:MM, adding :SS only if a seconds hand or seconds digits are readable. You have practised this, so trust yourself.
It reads 3:52
